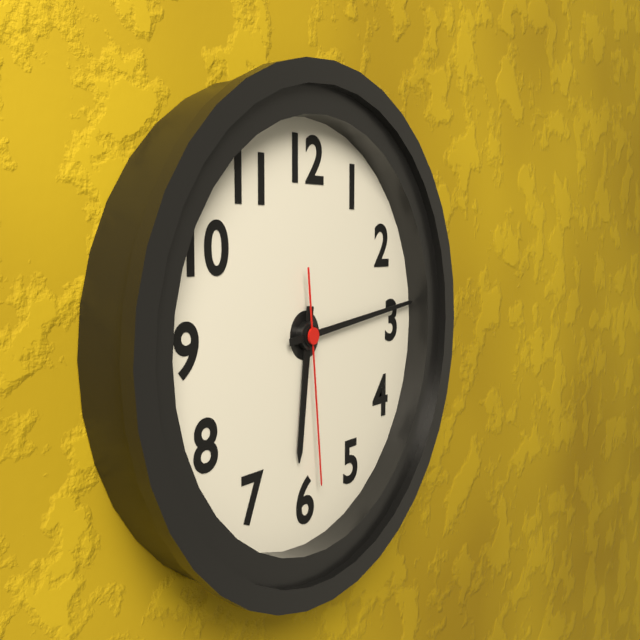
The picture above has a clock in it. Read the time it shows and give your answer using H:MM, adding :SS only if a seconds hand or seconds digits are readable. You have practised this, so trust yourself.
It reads 6:14:29
